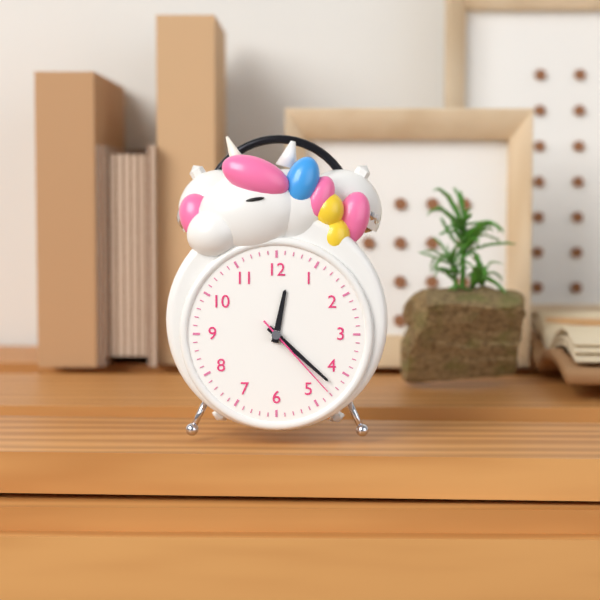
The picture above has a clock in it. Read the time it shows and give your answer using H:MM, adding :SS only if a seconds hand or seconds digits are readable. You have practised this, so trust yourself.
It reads 12:22:23
